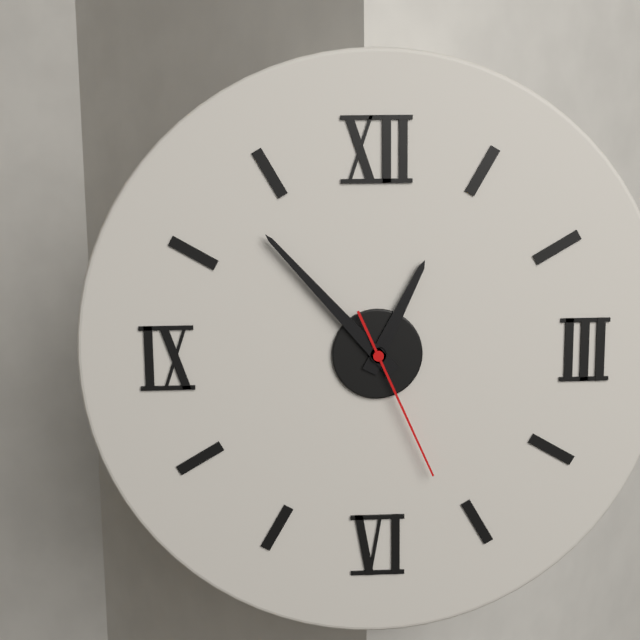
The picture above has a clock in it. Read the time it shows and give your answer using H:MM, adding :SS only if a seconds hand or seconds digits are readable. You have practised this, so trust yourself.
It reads 12:53:26
